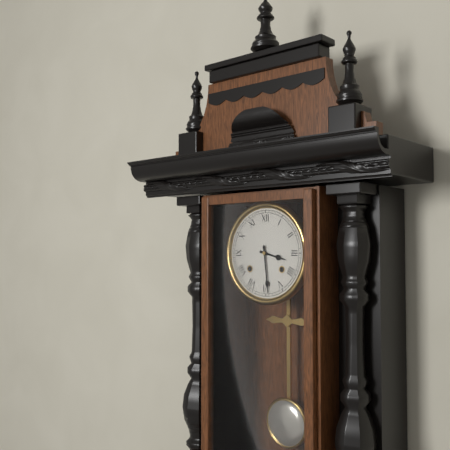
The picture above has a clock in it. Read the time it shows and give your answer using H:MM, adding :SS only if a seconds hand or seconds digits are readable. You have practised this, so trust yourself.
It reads 3:29
